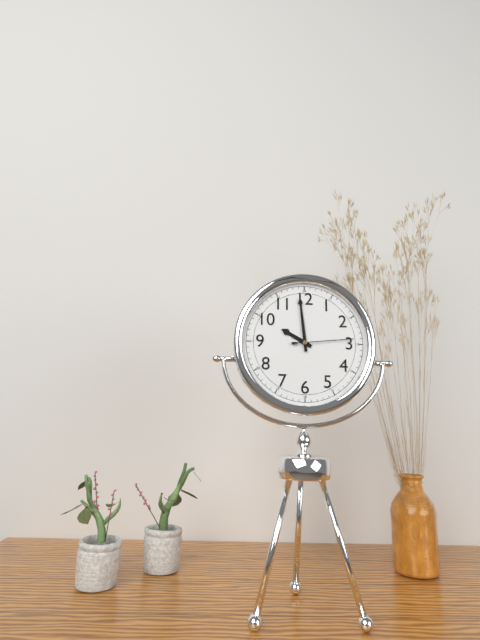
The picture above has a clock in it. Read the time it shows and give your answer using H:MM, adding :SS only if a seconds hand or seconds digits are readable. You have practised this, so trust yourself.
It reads 9:59:14
